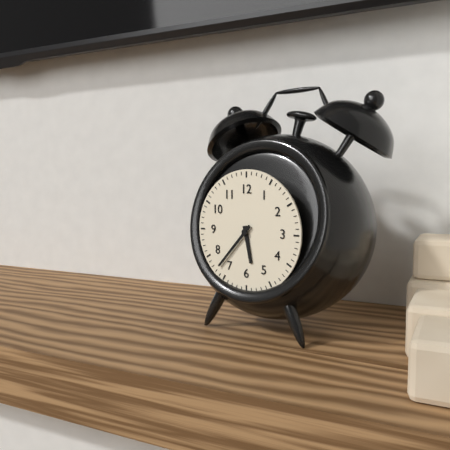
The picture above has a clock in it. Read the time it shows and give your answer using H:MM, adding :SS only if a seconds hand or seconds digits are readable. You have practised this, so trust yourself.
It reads 5:37
